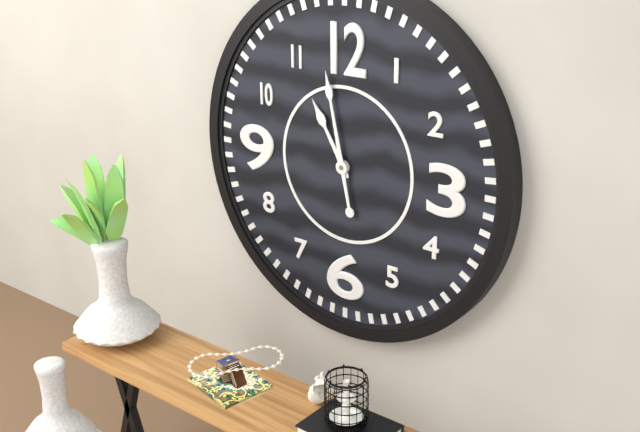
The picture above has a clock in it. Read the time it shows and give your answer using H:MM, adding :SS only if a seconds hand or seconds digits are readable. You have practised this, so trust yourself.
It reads 10:58
